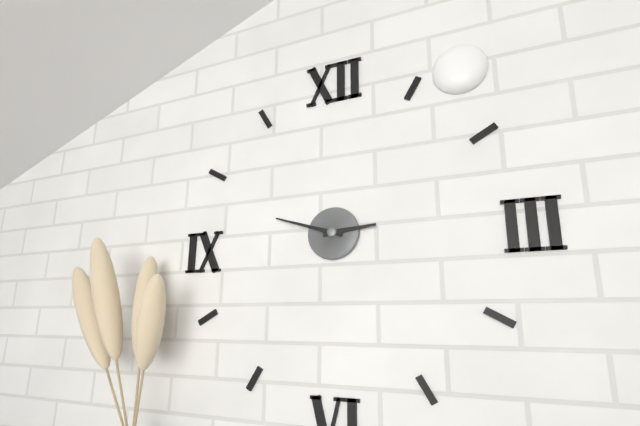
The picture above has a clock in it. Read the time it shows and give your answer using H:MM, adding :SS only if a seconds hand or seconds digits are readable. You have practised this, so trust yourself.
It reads 2:48
